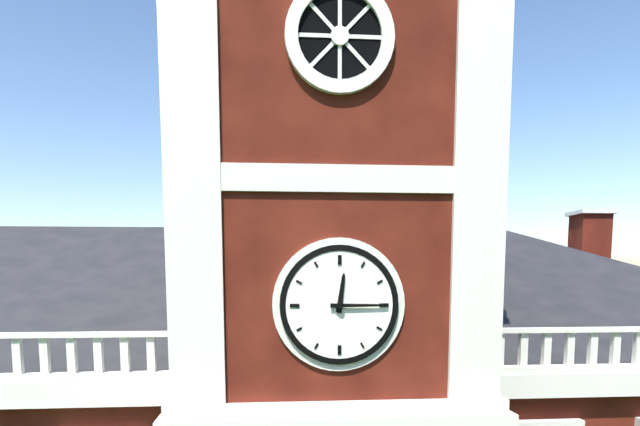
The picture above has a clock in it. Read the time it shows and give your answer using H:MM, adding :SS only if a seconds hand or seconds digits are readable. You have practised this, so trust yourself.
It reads 12:15
